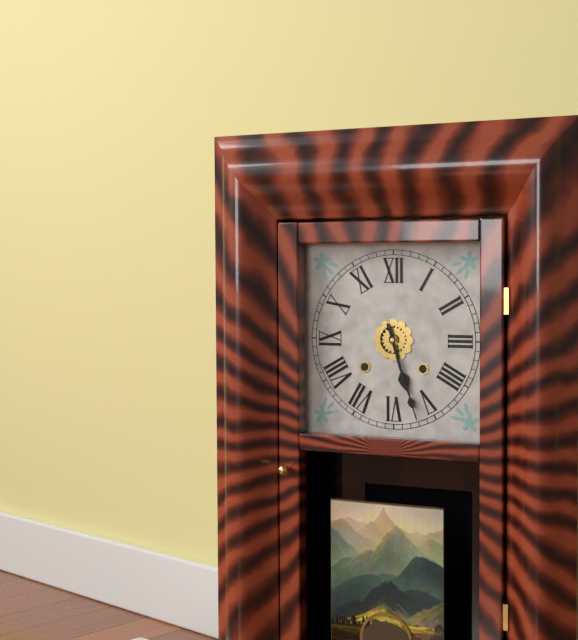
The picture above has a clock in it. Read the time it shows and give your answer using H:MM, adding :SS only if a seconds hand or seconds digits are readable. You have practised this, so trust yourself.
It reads 5:27
